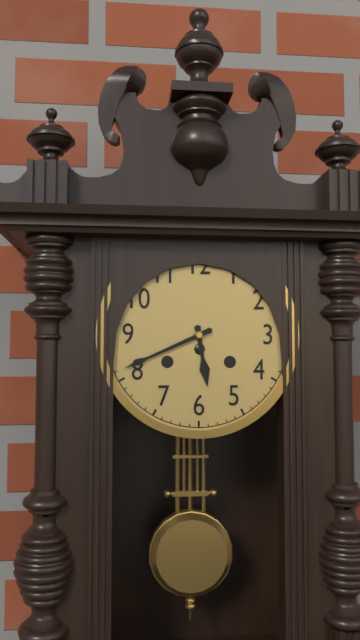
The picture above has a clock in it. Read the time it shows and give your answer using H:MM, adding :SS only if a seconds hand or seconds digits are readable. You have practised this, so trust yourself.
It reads 5:41
